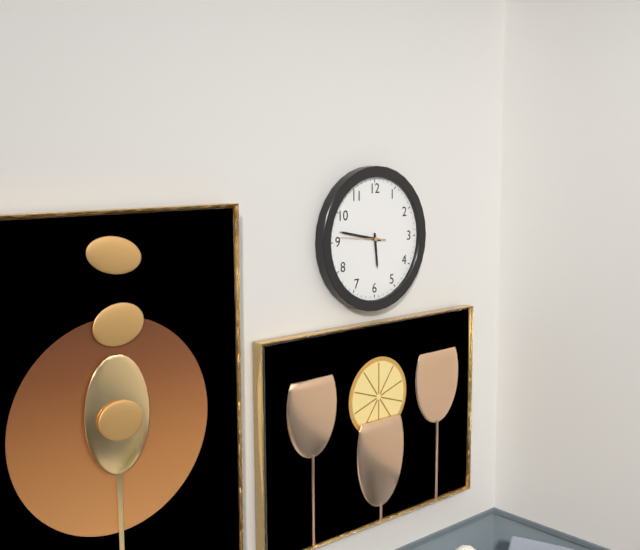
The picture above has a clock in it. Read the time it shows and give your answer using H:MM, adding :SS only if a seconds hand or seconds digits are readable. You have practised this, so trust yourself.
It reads 5:47
